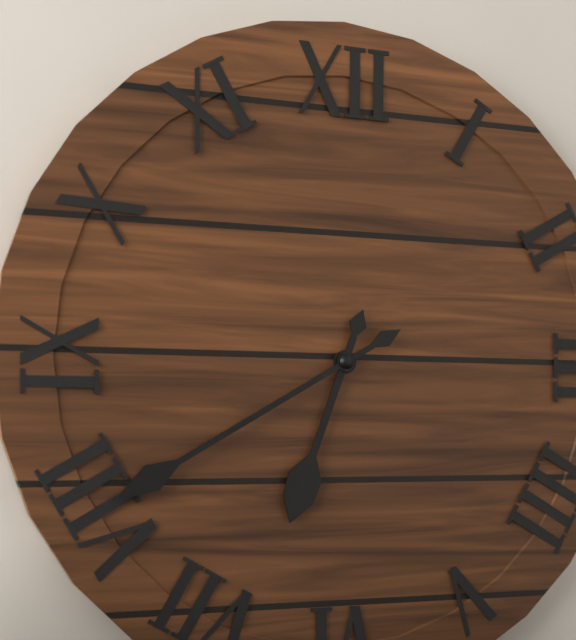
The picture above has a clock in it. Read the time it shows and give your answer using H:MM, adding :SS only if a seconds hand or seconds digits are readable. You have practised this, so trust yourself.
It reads 6:40
